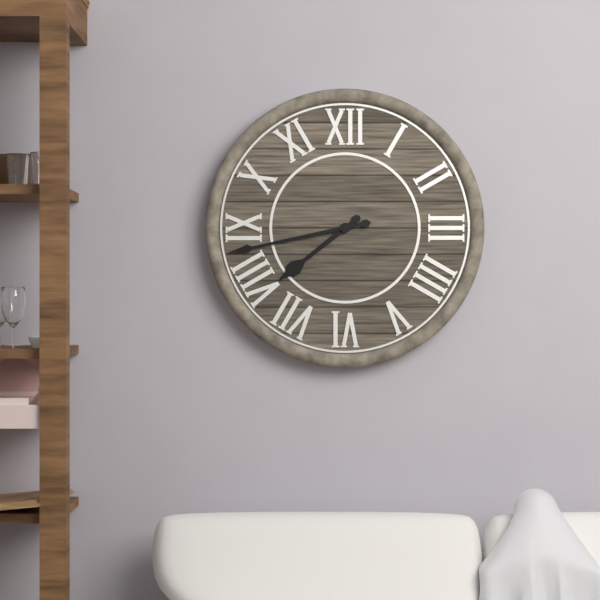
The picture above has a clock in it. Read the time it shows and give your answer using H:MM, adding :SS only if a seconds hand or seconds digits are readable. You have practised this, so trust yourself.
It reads 7:43
